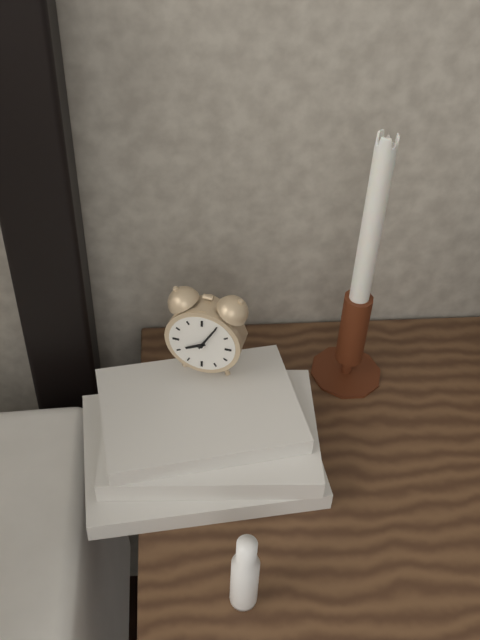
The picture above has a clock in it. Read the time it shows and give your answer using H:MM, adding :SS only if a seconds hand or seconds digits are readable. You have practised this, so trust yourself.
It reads 8:05
